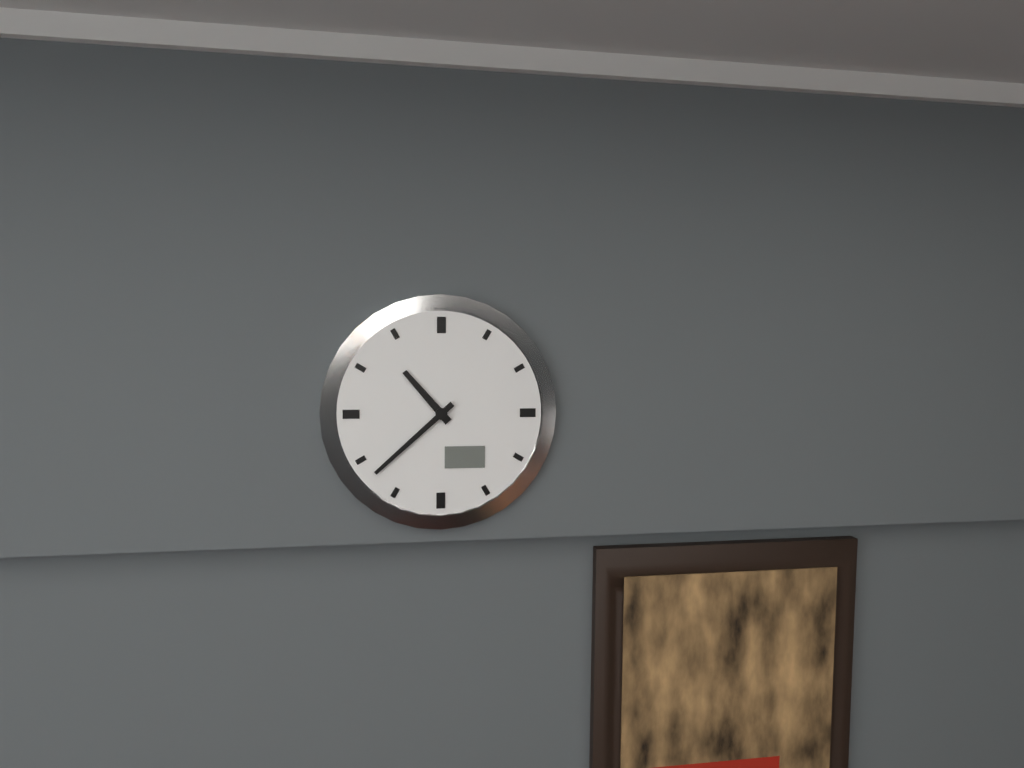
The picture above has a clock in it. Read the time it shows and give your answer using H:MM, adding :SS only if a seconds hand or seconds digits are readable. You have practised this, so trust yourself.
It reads 10:38
